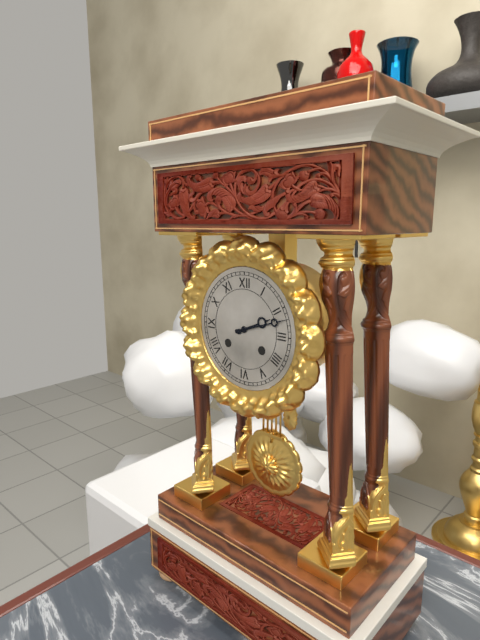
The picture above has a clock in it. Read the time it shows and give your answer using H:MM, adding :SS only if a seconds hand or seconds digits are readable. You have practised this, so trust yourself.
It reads 2:12
